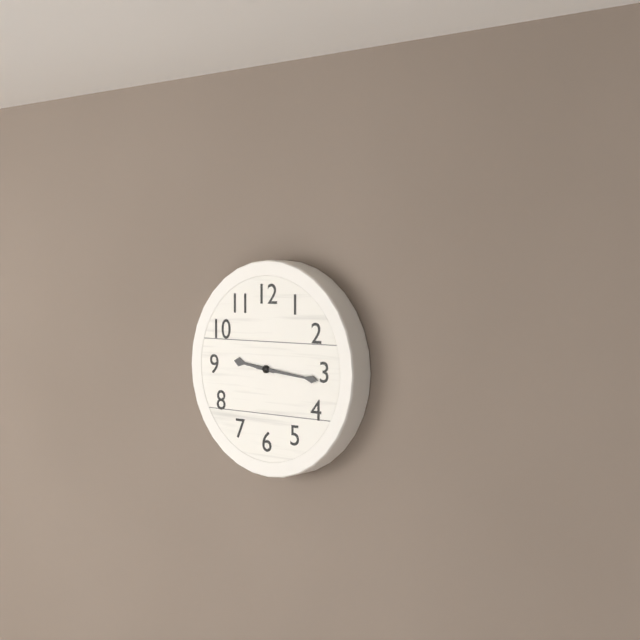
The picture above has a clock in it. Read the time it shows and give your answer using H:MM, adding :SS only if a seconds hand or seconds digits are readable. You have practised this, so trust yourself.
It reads 9:16
